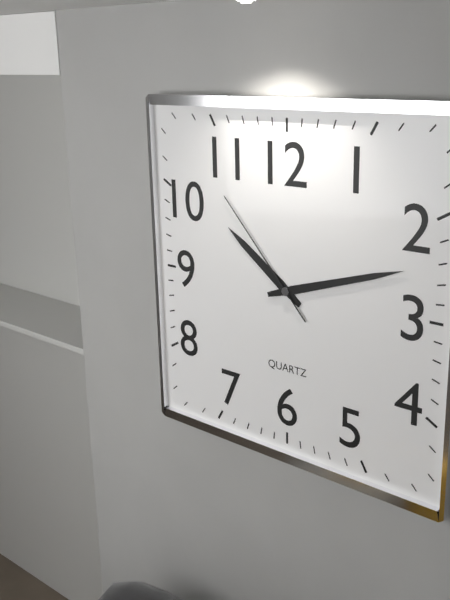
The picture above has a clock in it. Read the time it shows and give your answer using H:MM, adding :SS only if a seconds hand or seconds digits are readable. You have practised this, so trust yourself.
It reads 10:12:53
